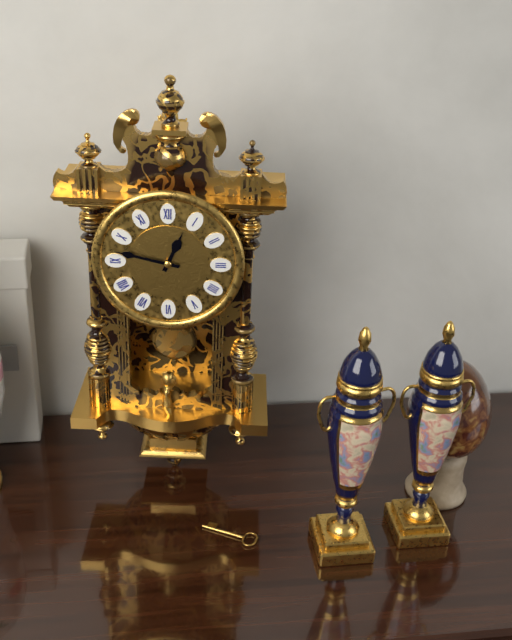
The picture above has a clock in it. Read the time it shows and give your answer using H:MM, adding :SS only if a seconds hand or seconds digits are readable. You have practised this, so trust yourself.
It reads 12:47
